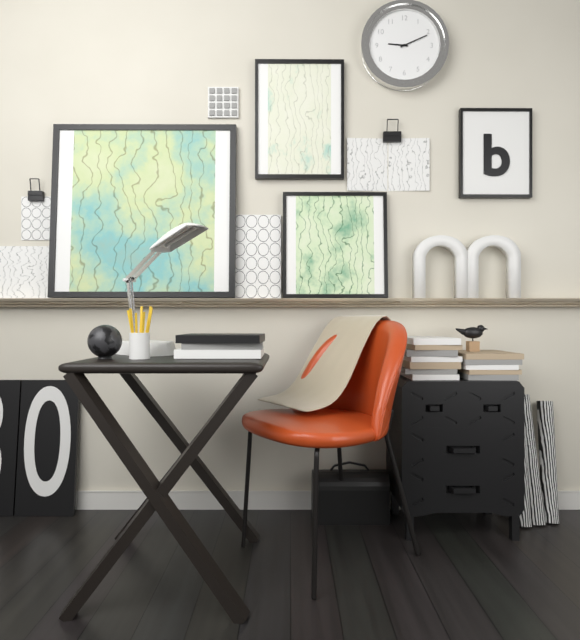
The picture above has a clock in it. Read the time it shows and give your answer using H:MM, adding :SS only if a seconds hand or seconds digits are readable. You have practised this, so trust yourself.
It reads 9:11
